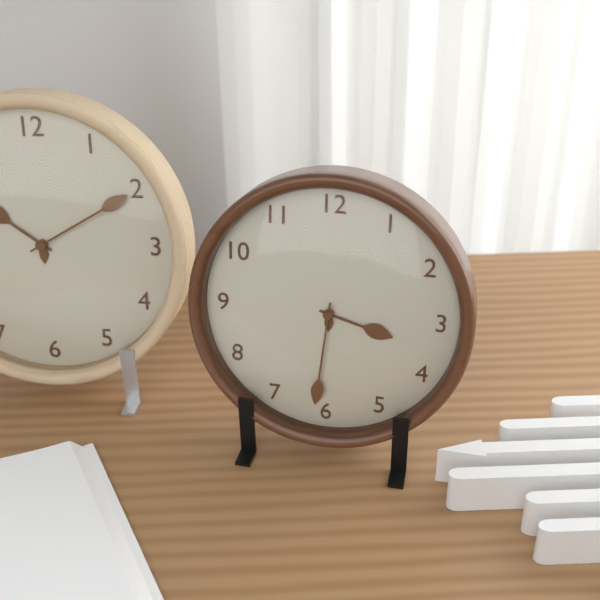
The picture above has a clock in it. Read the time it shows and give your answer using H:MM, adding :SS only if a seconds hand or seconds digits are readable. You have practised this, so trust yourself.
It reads 3:31
